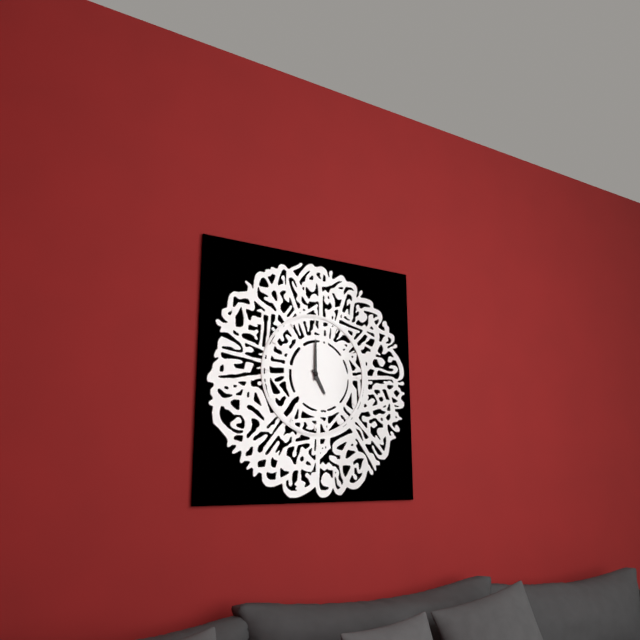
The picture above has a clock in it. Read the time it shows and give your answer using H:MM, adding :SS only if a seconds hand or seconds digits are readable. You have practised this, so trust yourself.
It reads 5:00
